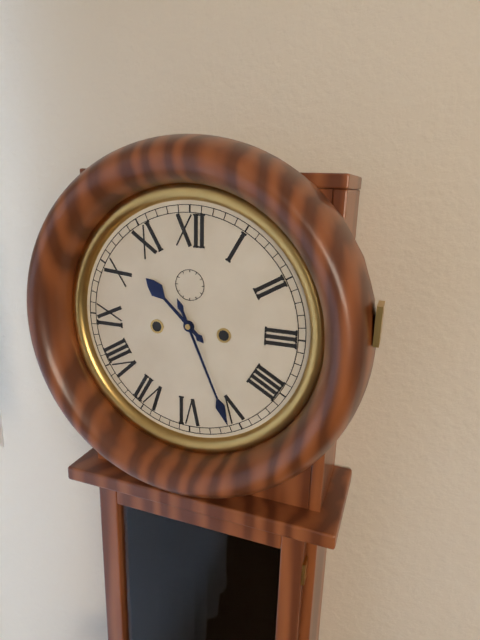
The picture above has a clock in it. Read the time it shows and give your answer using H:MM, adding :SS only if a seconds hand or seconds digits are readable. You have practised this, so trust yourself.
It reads 10:26
